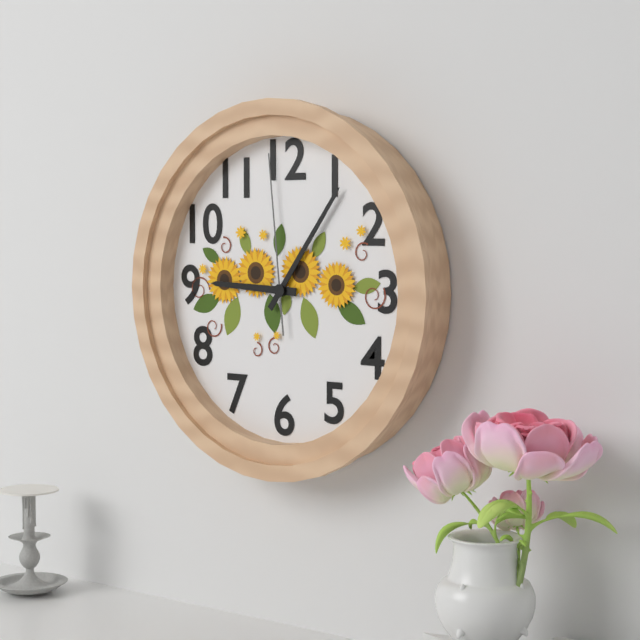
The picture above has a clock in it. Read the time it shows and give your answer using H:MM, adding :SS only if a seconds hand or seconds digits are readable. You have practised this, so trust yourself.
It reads 9:06:59
